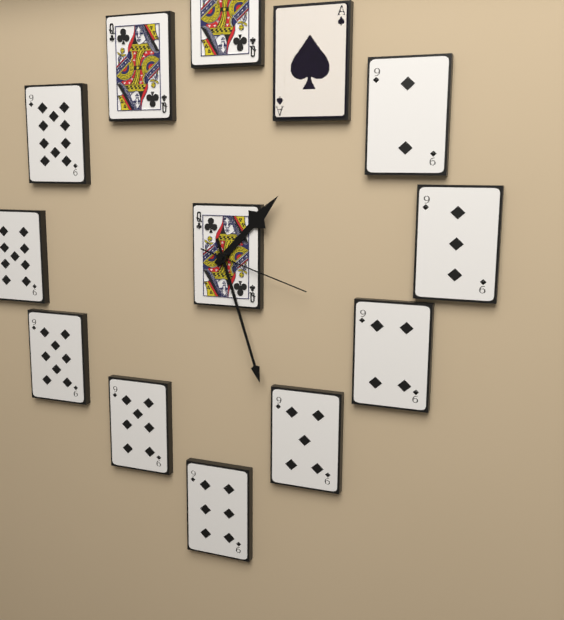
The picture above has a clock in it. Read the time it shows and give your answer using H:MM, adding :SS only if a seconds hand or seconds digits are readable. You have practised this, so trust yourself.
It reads 1:27:18
